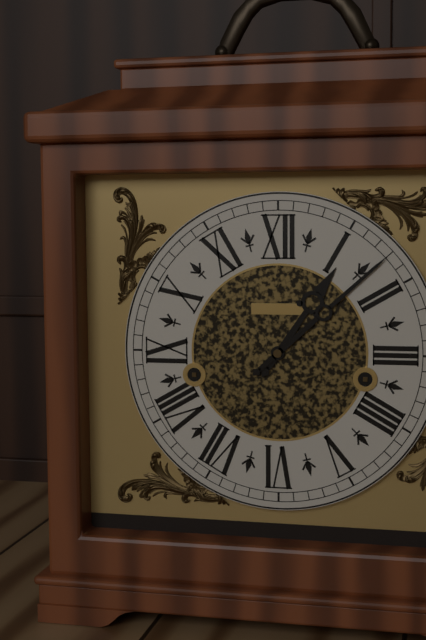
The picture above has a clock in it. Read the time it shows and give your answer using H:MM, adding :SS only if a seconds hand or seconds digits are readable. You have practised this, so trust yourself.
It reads 1:08
